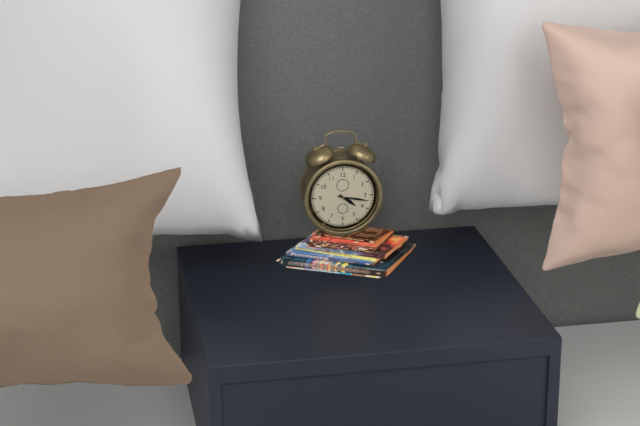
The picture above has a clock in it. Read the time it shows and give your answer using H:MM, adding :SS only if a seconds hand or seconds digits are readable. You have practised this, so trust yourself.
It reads 4:17
